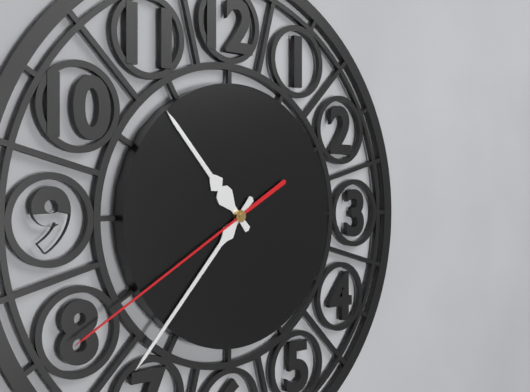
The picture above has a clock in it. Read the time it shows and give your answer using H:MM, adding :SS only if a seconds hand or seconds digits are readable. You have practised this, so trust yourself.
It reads 10:37:40
